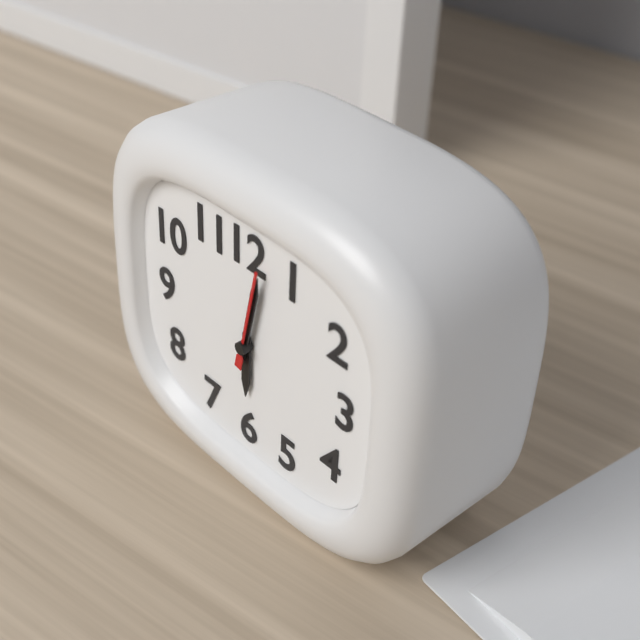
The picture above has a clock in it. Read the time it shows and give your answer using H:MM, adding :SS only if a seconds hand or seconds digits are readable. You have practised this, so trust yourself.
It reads 6:02:02
